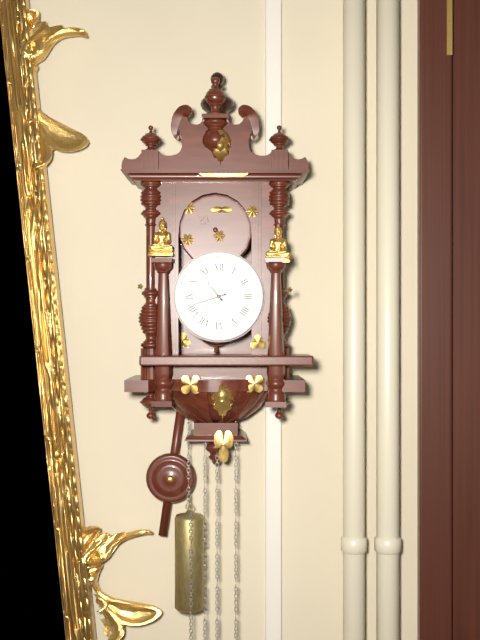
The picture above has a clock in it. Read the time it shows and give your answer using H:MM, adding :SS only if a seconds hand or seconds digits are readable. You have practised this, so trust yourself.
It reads 10:42
